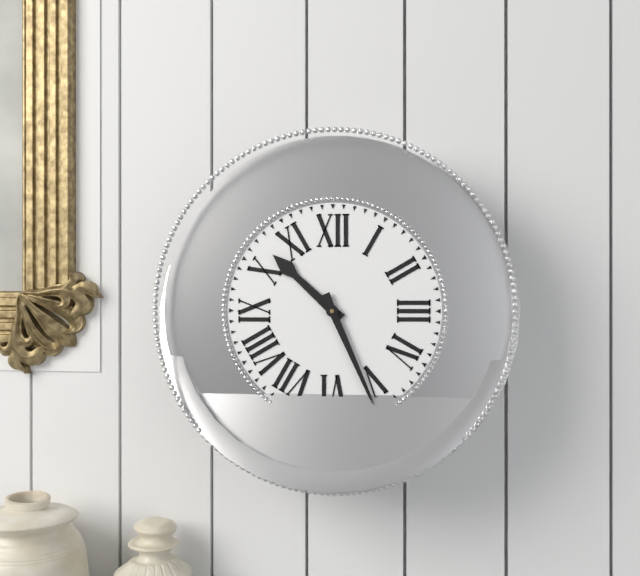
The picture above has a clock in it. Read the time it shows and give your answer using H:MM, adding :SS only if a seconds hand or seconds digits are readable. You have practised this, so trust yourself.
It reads 10:26
